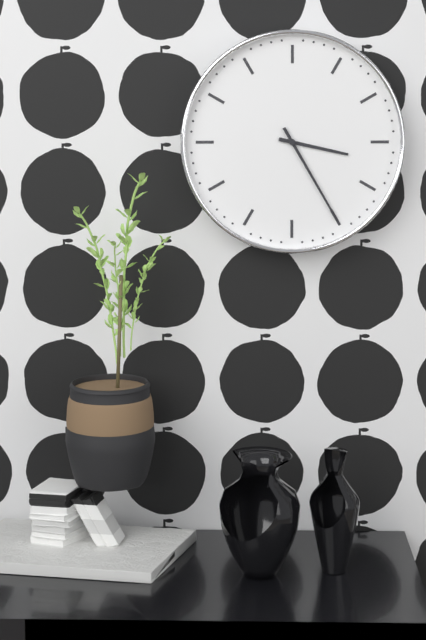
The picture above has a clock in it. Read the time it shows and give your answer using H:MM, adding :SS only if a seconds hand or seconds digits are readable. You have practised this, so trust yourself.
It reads 3:25
